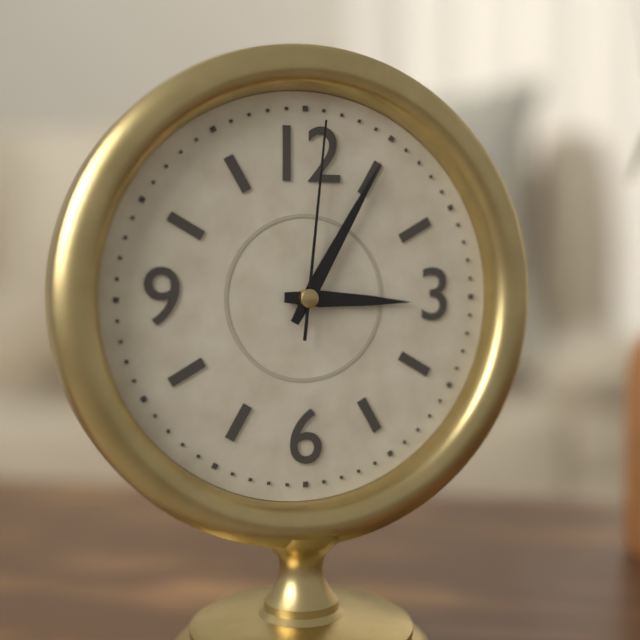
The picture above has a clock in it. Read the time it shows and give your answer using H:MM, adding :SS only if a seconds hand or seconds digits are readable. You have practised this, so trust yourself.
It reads 3:05:01
